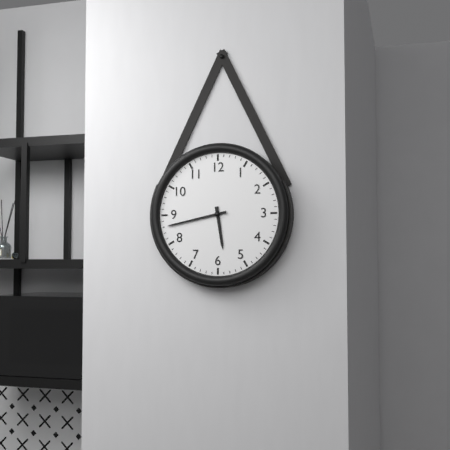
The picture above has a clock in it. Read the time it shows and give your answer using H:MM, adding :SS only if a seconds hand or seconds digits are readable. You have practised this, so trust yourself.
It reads 5:43
